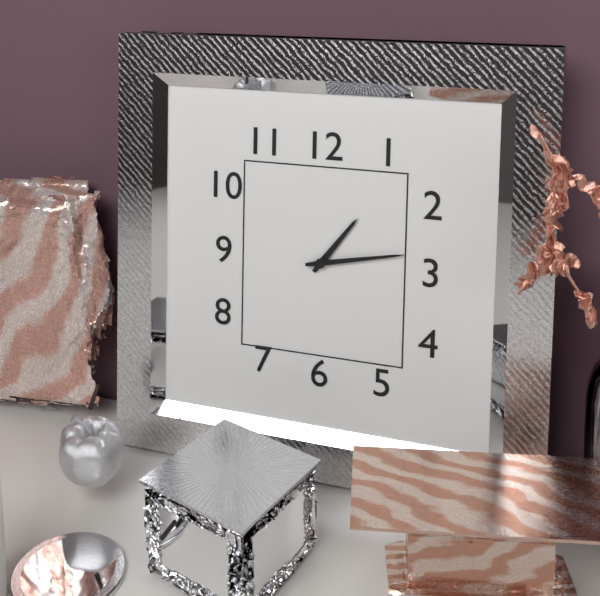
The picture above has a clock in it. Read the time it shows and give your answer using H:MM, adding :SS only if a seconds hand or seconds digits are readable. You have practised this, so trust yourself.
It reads 1:13
